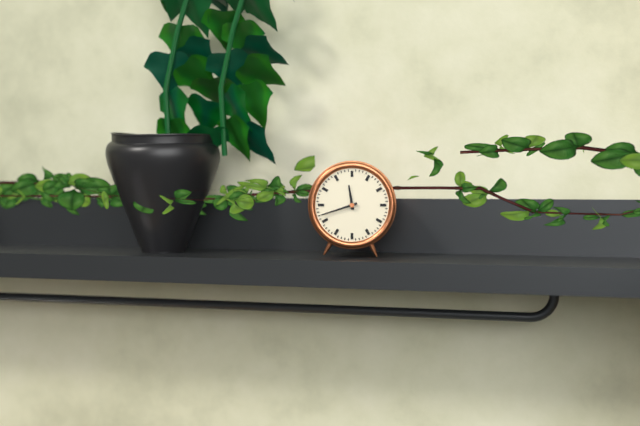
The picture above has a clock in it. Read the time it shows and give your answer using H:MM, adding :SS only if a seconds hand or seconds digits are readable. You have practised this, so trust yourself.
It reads 11:42
